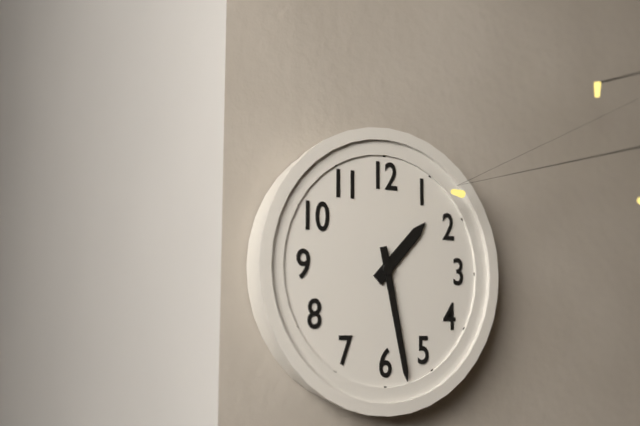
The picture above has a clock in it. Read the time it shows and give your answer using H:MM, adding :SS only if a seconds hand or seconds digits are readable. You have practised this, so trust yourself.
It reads 1:28
